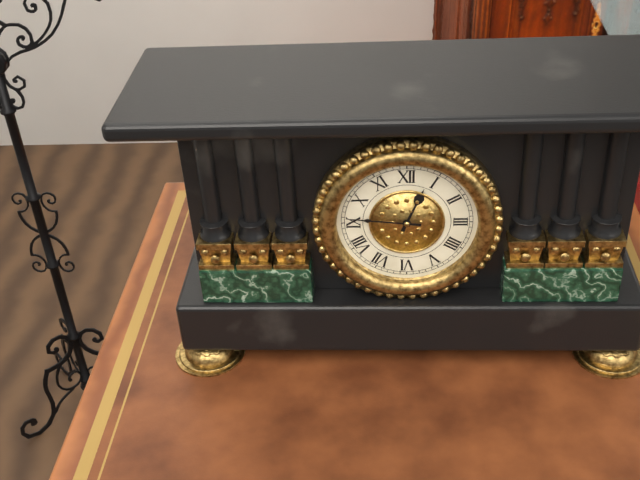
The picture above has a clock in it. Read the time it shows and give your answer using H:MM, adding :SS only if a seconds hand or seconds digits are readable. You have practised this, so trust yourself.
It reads 12:46
